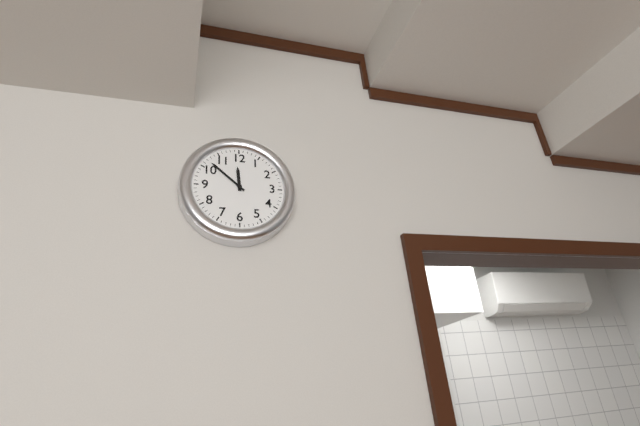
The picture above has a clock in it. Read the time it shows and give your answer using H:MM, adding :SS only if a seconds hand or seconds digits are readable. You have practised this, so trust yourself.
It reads 11:52
